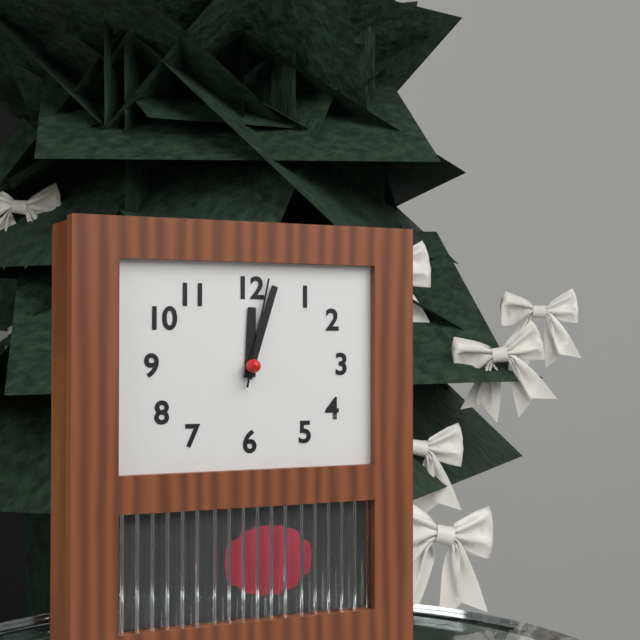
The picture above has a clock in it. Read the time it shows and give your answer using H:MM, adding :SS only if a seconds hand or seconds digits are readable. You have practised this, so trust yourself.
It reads 12:03:02
